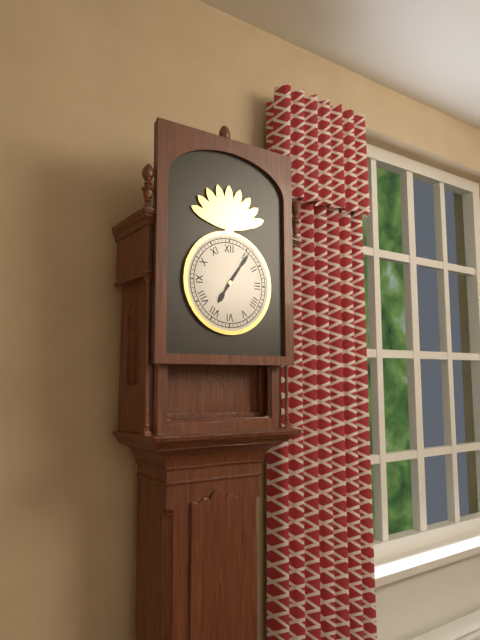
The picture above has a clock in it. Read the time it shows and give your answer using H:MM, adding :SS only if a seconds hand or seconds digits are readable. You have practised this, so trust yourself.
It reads 7:06
